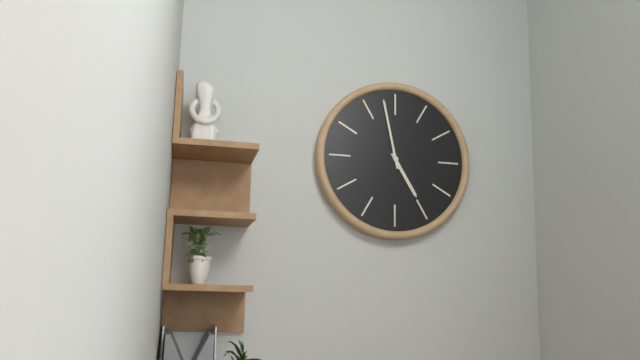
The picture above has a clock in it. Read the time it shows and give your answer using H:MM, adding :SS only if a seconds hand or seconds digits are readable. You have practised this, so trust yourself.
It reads 4:58
